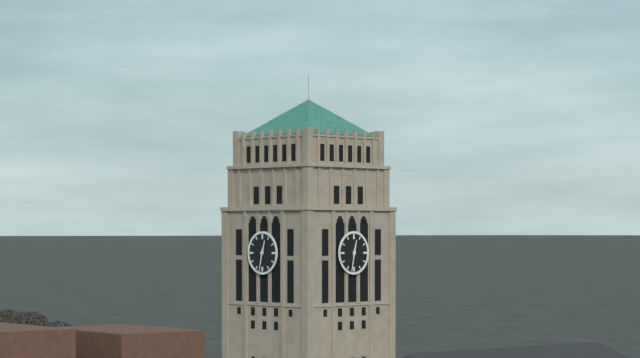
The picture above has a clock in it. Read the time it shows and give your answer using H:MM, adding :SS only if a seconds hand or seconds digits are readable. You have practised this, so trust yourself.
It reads 12:32
